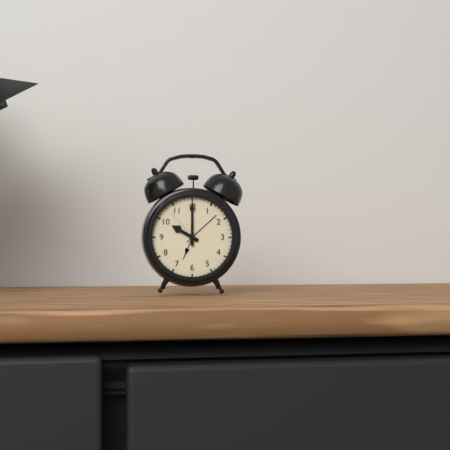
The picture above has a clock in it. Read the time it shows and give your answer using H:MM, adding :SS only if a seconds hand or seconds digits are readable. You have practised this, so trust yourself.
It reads 10:00
